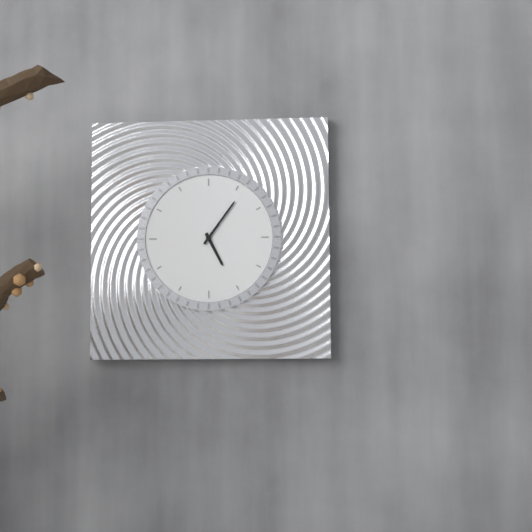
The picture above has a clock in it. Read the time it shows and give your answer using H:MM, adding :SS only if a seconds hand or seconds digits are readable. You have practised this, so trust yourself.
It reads 5:06
